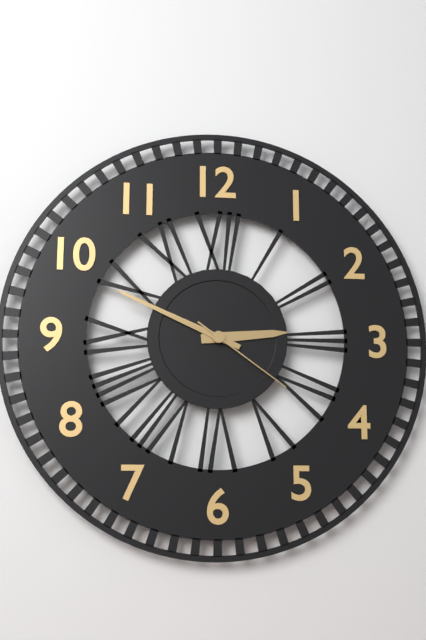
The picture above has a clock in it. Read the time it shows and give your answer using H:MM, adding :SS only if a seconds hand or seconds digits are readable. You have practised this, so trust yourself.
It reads 2:49:21
